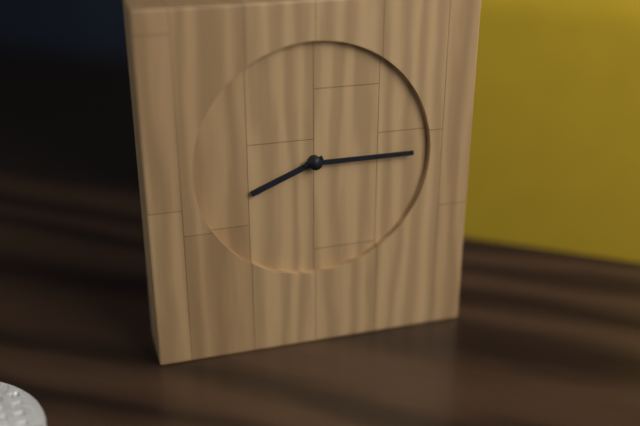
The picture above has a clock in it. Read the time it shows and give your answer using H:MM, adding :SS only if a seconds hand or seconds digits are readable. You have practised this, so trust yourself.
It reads 8:15
